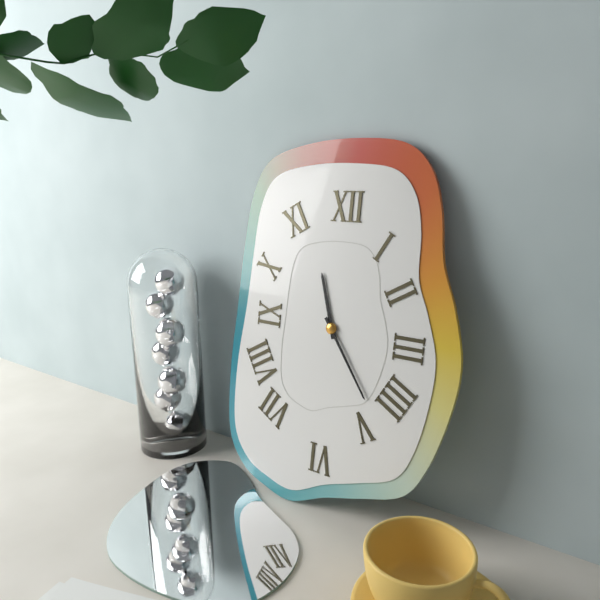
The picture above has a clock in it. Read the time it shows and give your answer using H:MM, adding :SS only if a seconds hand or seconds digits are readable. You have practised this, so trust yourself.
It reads 11:24
